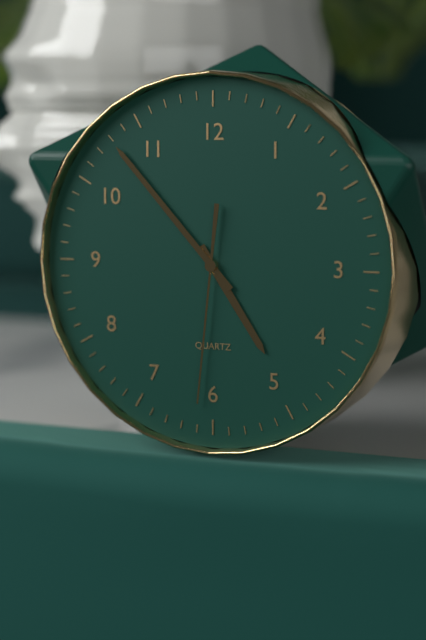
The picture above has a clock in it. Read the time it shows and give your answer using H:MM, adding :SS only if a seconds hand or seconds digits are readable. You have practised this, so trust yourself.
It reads 4:53:31
